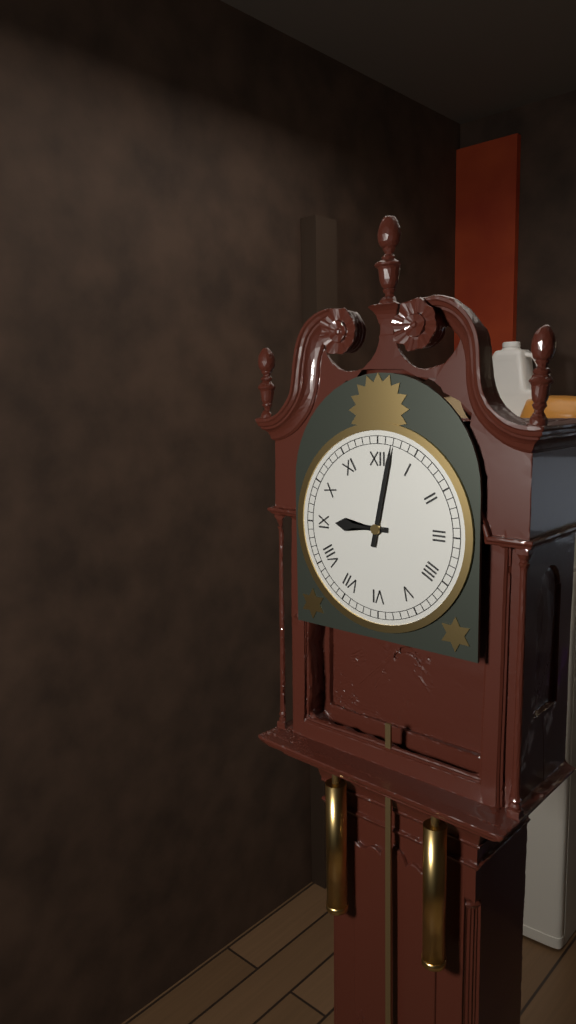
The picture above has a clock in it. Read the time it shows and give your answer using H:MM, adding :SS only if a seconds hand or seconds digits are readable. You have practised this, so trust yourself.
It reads 9:02
